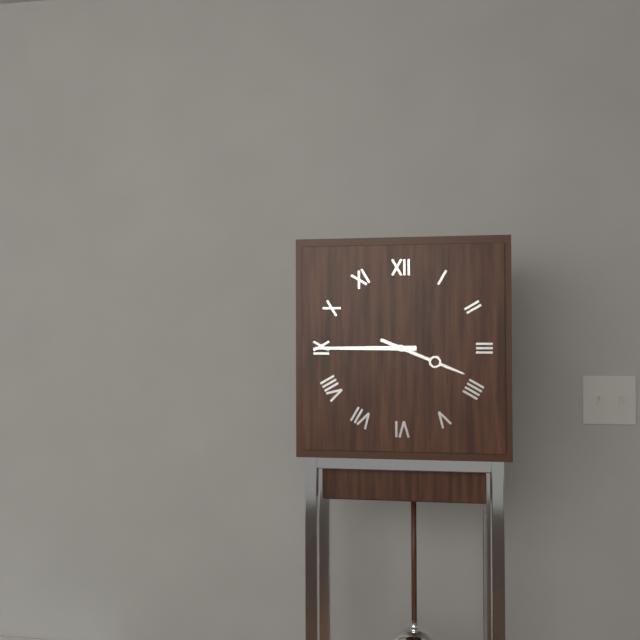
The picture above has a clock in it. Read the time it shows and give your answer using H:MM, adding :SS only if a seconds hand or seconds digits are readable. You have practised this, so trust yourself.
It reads 3:45
